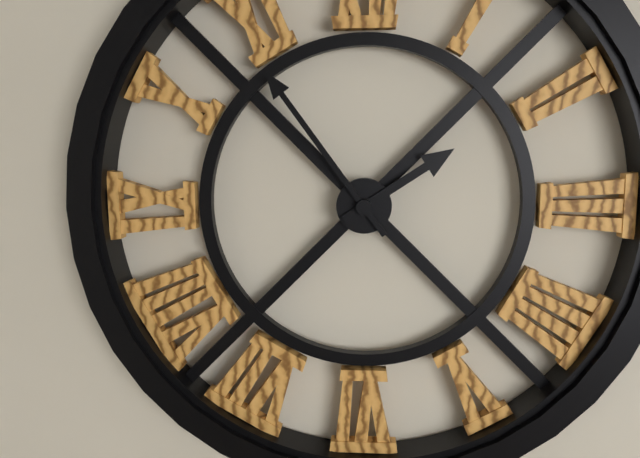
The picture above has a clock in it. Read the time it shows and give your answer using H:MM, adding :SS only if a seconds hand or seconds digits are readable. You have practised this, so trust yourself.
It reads 1:54
